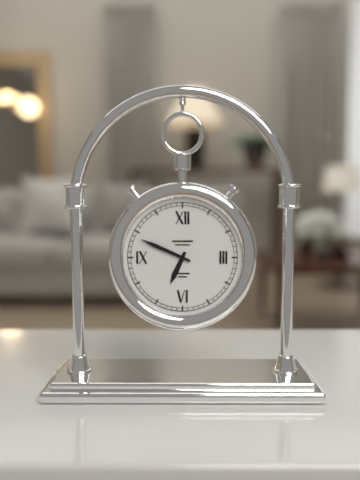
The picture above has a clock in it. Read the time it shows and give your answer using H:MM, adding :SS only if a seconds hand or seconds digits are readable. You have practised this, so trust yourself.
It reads 6:49
